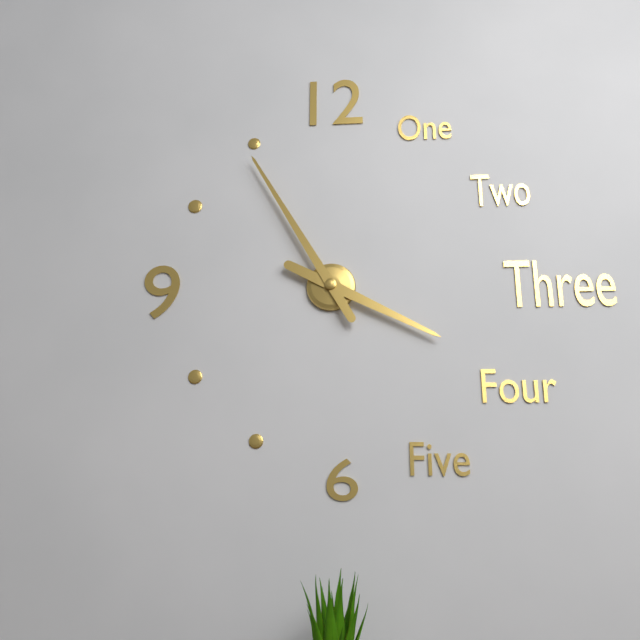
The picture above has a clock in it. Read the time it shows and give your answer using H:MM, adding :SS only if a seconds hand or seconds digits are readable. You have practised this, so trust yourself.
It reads 3:55
